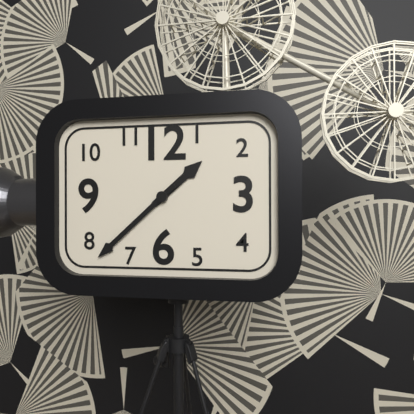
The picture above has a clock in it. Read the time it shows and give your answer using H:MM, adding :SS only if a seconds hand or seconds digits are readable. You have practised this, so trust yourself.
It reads 1:38
